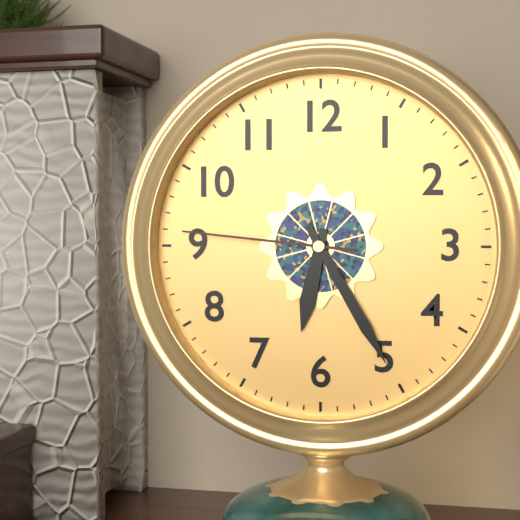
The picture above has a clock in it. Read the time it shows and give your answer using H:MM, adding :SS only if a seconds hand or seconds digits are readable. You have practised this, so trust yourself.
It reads 6:25:46
